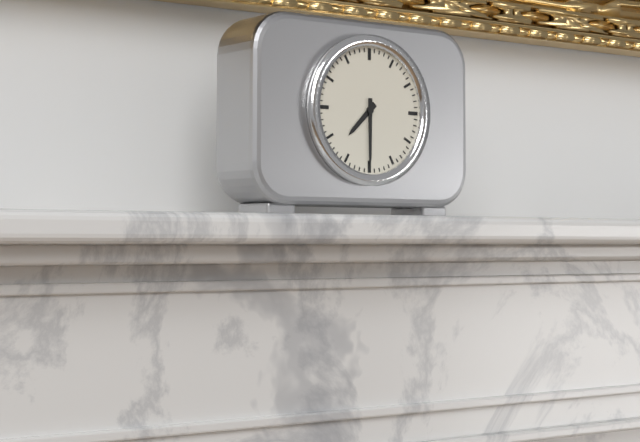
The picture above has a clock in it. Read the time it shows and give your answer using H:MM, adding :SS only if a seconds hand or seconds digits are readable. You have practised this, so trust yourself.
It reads 7:30
